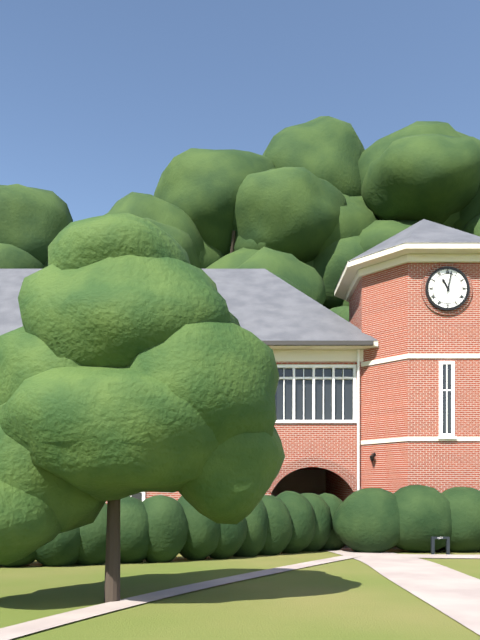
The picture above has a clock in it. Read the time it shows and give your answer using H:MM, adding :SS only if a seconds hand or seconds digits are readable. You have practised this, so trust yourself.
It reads 11:02
